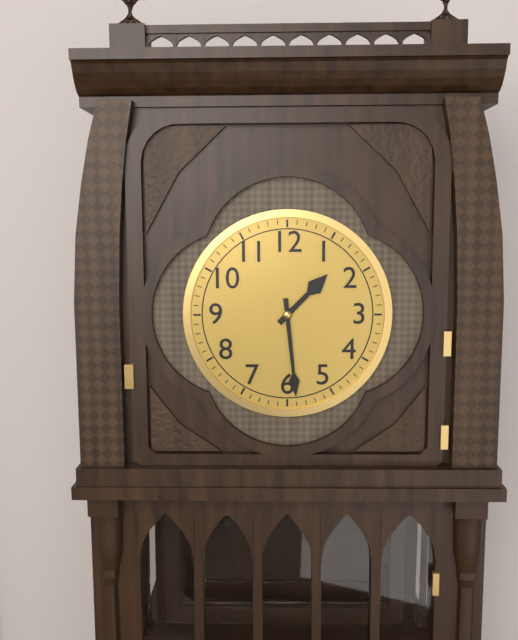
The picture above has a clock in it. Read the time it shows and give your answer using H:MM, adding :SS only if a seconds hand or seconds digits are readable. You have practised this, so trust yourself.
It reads 1:29
